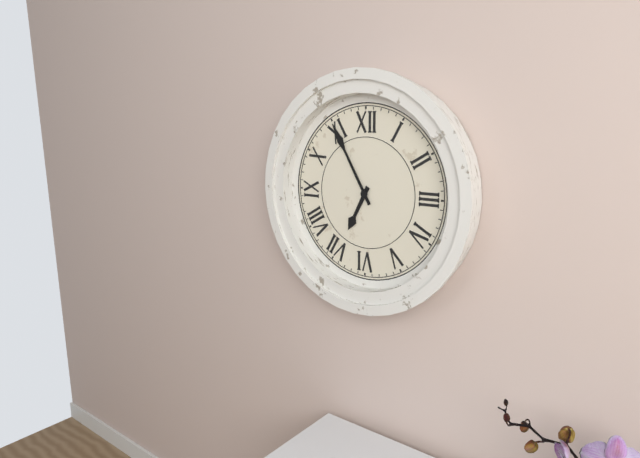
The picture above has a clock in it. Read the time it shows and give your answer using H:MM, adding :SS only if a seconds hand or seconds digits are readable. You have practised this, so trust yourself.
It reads 6:55
